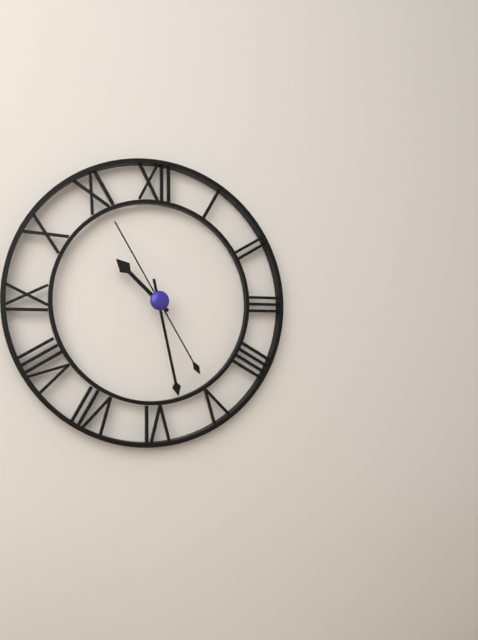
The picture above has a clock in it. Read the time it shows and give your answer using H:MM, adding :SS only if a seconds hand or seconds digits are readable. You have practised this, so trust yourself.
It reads 10:28:55
